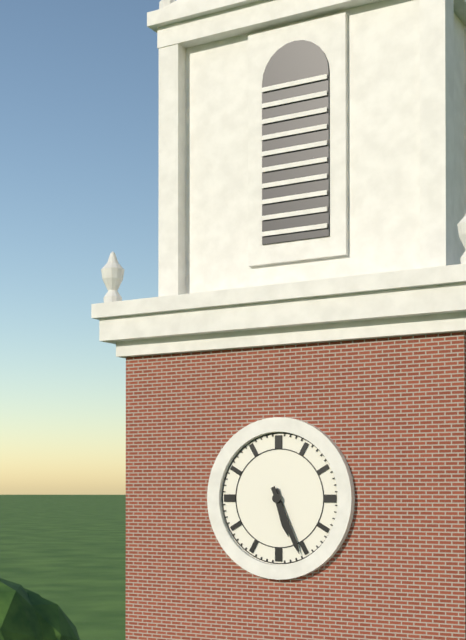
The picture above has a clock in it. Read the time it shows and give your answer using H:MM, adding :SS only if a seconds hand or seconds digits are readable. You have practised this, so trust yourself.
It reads 5:26
